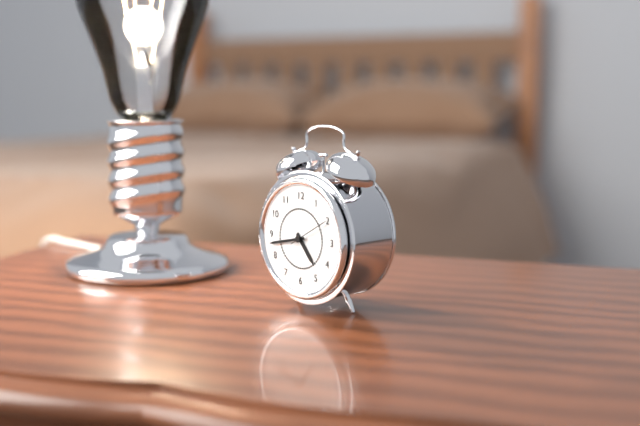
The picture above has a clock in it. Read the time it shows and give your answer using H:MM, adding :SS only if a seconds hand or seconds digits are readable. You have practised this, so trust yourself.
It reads 4:43
